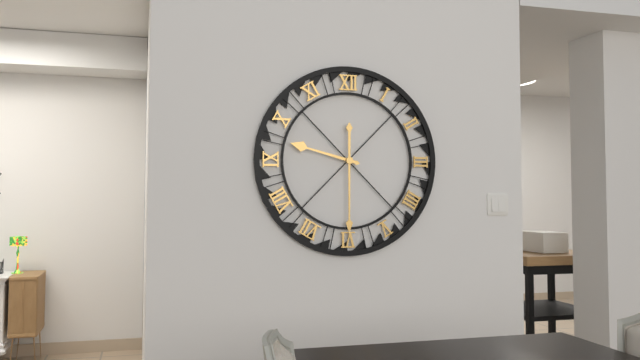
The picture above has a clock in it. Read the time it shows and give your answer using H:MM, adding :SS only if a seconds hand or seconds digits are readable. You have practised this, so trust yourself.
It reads 9:30
